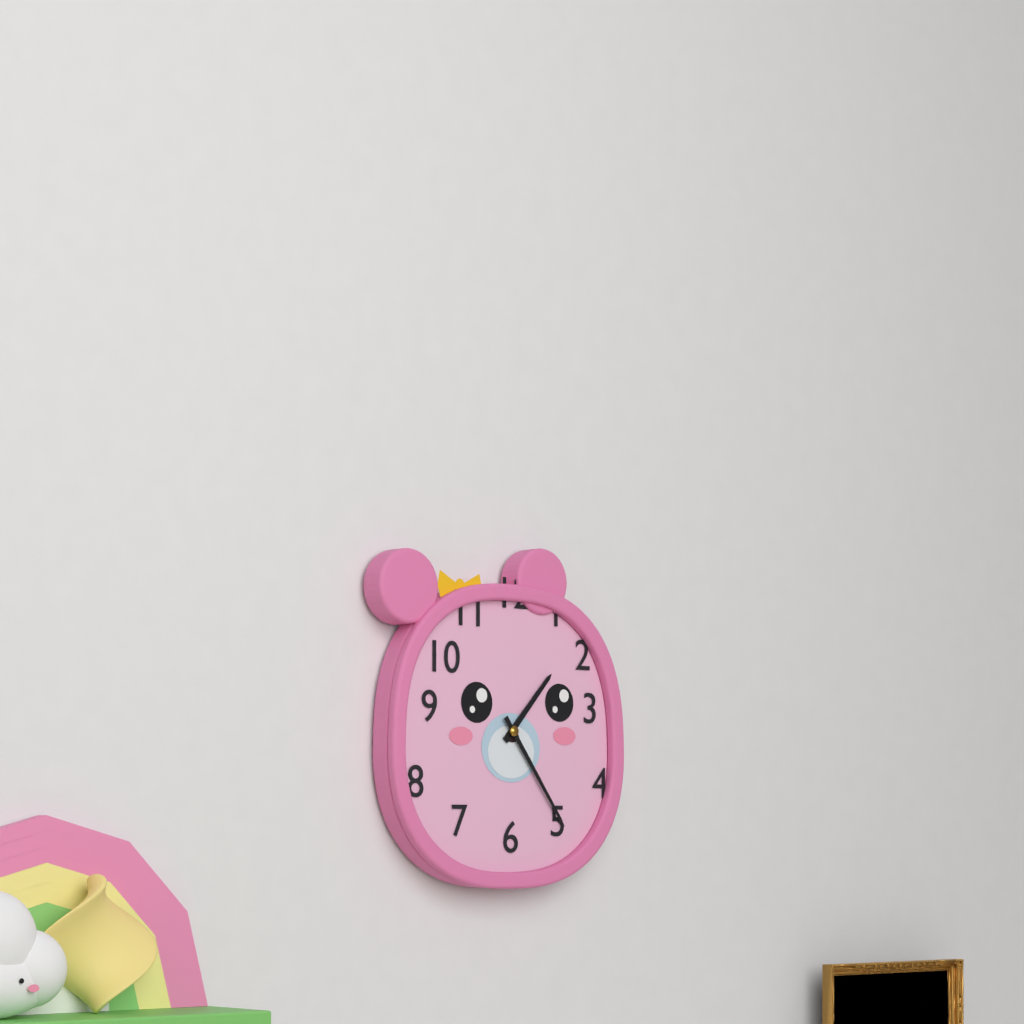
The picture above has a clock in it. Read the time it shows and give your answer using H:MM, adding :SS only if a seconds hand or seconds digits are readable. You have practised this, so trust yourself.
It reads 1:24
